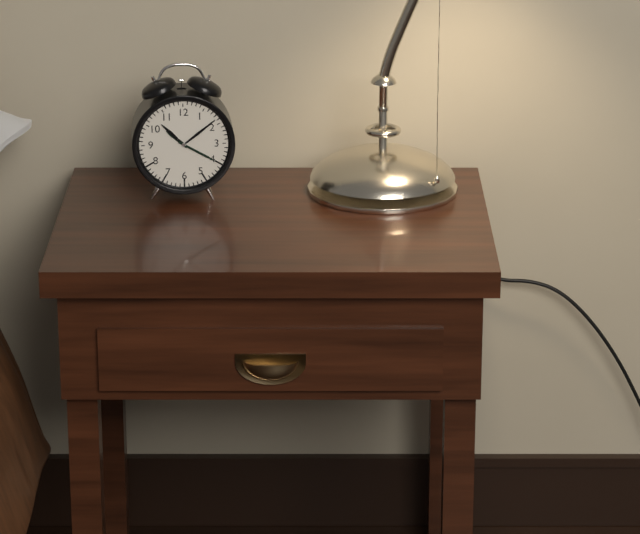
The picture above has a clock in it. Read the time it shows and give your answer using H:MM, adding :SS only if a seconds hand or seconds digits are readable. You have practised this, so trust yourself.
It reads 10:20
